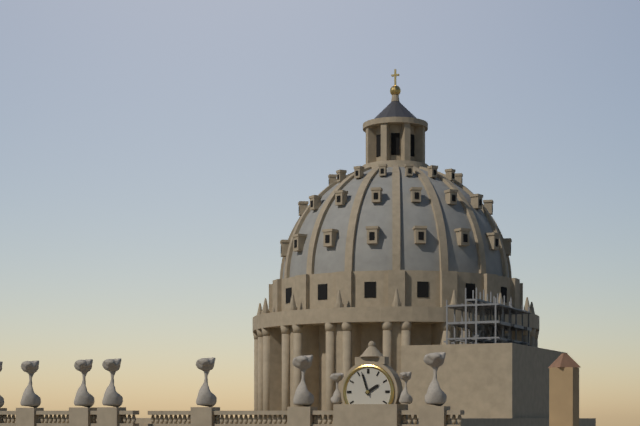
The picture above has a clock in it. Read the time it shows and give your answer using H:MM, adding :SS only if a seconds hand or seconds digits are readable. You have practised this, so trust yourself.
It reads 1:57
